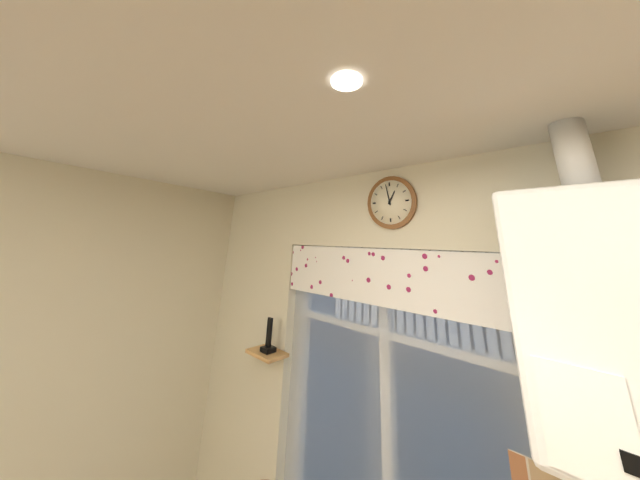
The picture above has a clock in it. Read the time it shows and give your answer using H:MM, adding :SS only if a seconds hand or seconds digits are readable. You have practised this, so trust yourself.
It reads 12:58
